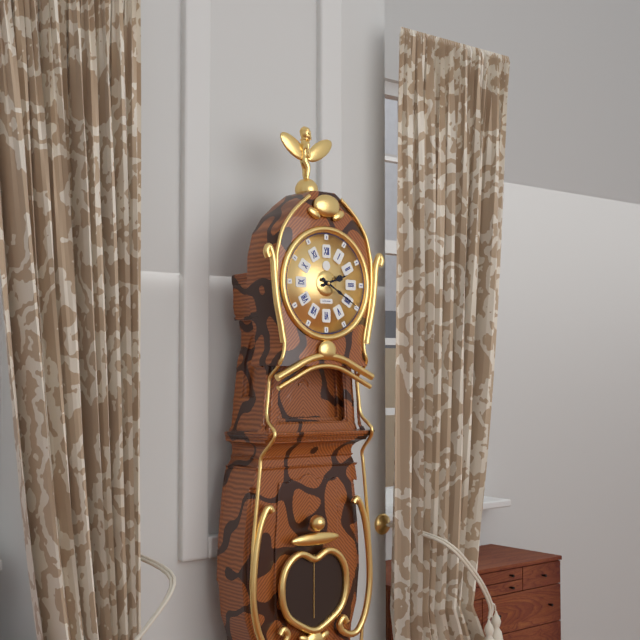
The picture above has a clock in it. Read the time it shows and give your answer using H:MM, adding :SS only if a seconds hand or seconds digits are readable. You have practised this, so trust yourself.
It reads 2:20
